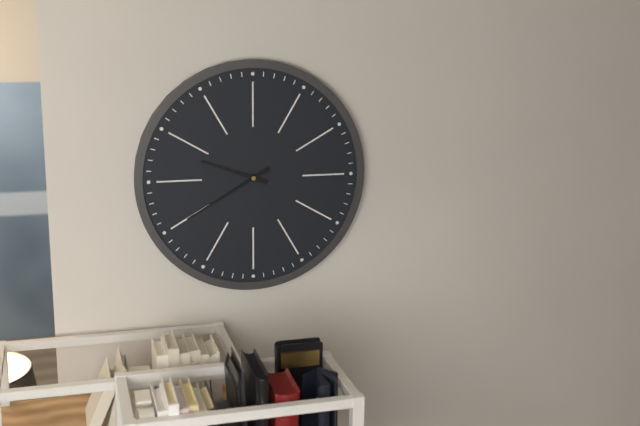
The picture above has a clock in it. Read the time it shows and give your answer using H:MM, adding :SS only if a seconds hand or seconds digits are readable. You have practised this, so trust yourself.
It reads 9:40
